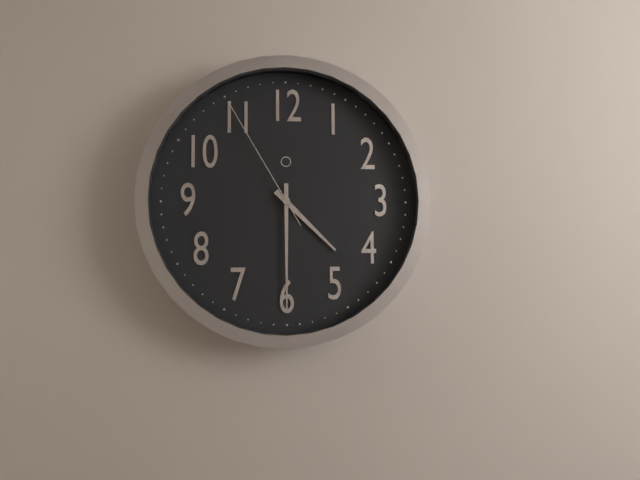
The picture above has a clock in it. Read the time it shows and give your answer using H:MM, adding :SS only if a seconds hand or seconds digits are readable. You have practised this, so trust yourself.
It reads 4:30:55
